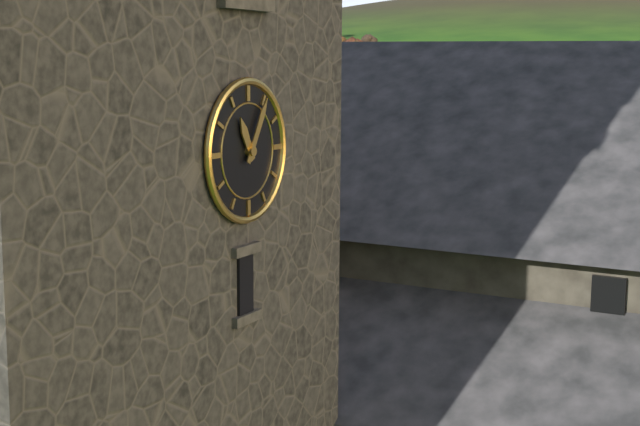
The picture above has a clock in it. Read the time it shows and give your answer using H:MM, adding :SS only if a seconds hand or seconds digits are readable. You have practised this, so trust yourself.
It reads 11:05
